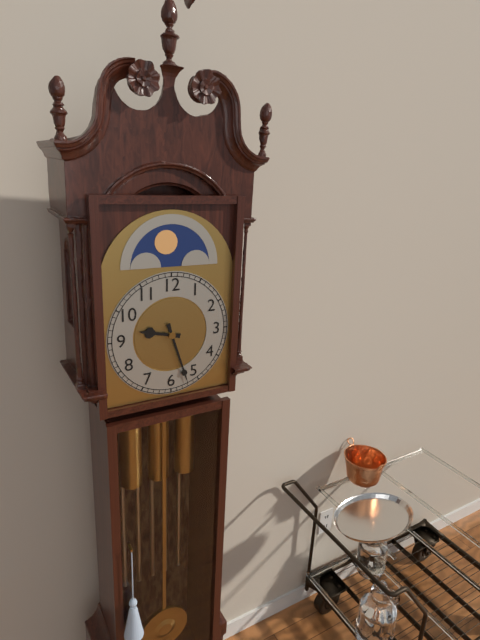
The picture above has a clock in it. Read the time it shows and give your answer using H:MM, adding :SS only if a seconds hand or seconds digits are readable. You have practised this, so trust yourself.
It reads 9:27
